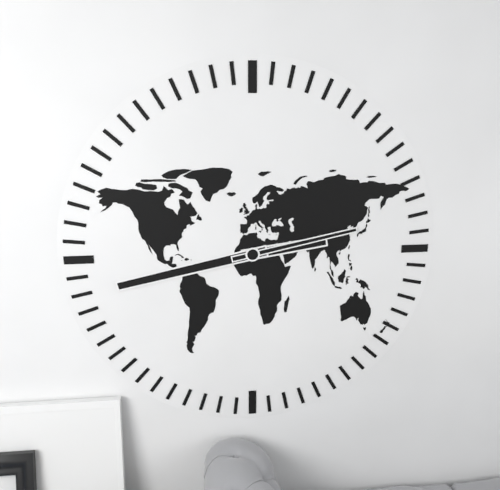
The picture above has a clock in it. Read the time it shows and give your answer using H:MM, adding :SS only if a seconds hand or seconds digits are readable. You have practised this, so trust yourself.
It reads 2:43:13
